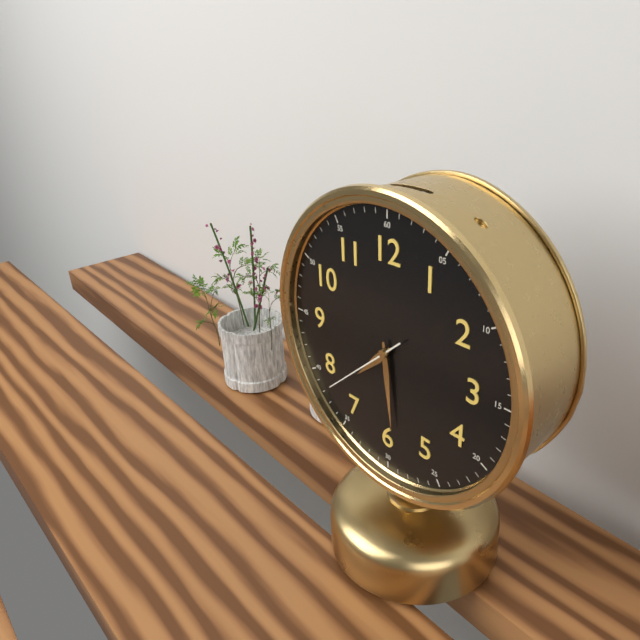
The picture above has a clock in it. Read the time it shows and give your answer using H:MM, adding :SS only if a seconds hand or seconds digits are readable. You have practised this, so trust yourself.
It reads 7:29:38
